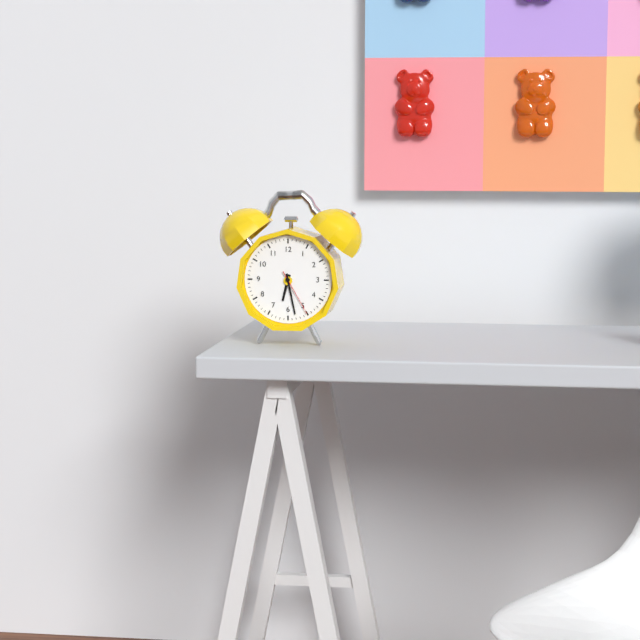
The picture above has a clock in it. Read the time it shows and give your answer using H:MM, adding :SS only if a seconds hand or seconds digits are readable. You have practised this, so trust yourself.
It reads 6:28
